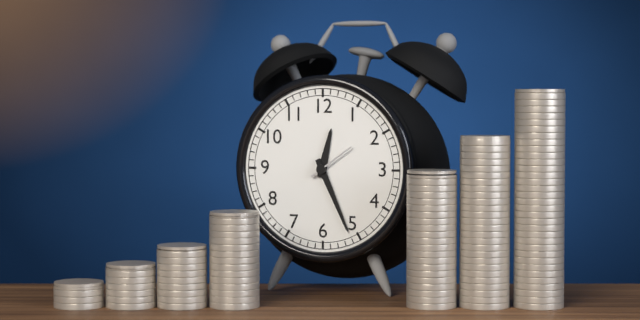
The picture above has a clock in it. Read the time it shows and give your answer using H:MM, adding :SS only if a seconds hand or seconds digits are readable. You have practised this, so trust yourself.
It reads 12:26
